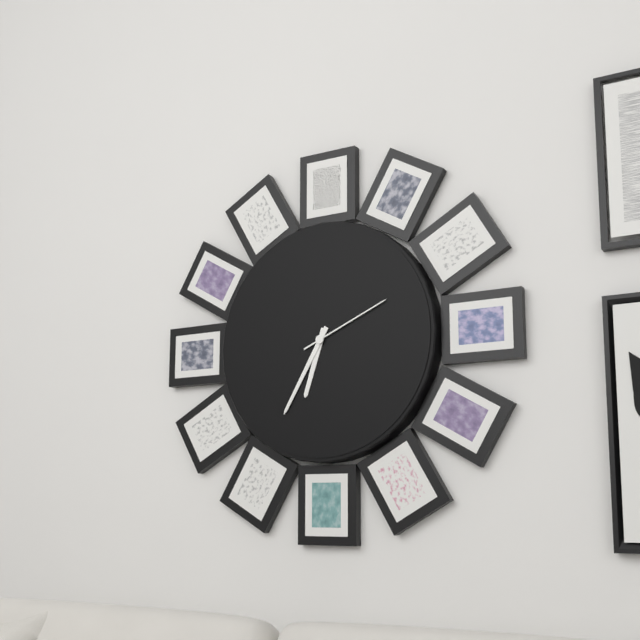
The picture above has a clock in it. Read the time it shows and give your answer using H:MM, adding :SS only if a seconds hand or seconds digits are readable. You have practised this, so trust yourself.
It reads 6:35:11
